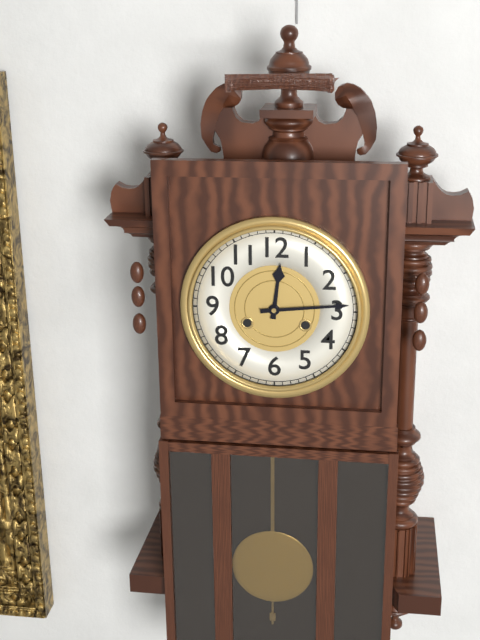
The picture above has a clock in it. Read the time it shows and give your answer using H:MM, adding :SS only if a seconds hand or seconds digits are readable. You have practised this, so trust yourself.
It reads 12:14
